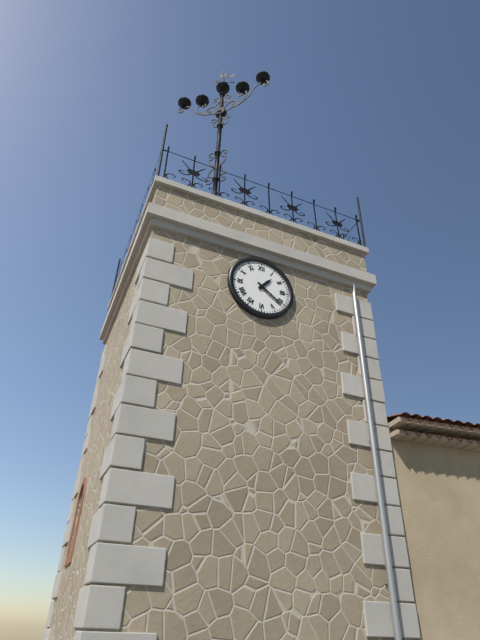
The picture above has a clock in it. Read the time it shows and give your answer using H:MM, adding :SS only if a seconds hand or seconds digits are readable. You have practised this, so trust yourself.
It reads 1:21
